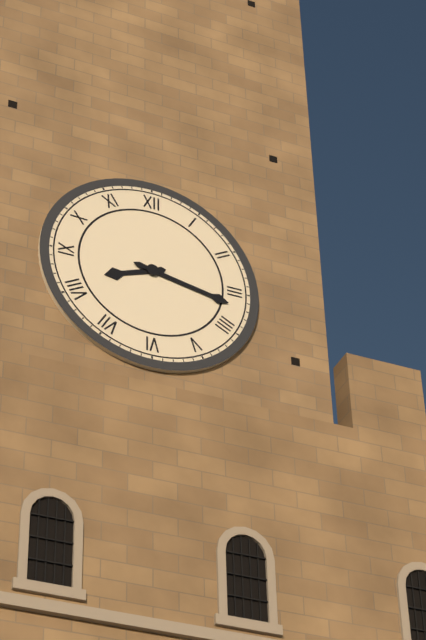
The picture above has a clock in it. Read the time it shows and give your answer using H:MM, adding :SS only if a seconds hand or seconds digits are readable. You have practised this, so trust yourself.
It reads 8:17
